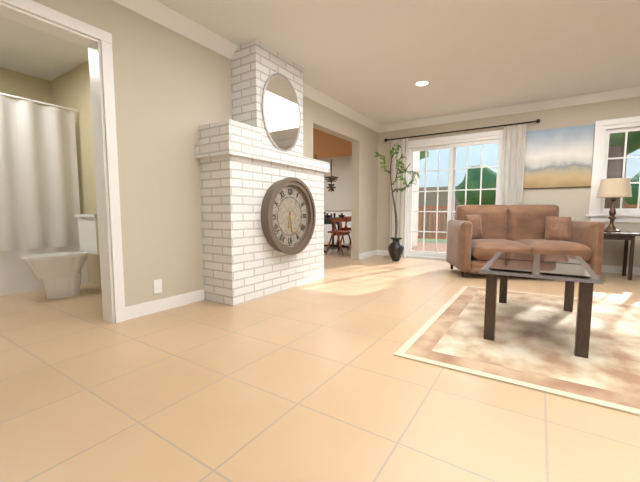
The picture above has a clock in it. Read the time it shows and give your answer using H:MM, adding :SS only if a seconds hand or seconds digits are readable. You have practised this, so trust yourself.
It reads 6:28
